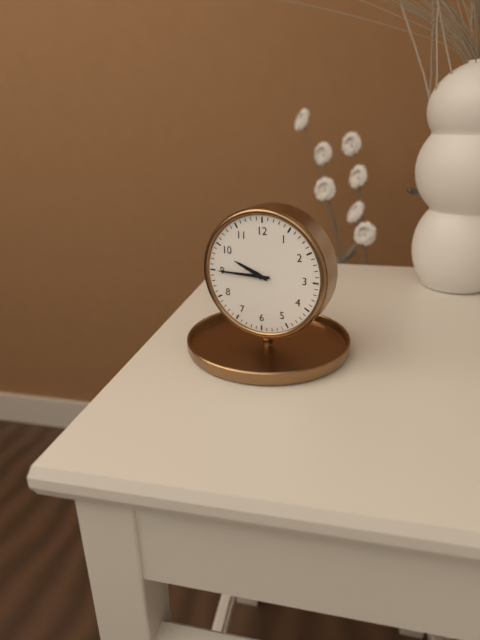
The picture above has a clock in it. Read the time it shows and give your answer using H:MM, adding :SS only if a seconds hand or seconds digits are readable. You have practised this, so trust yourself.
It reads 9:45
